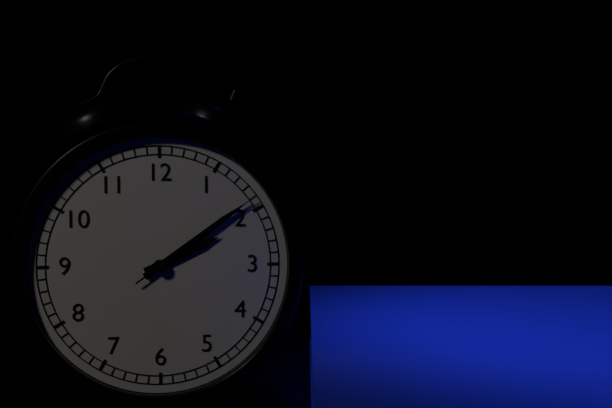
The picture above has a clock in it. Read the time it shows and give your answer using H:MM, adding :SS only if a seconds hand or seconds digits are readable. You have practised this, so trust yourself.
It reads 2:09:09
